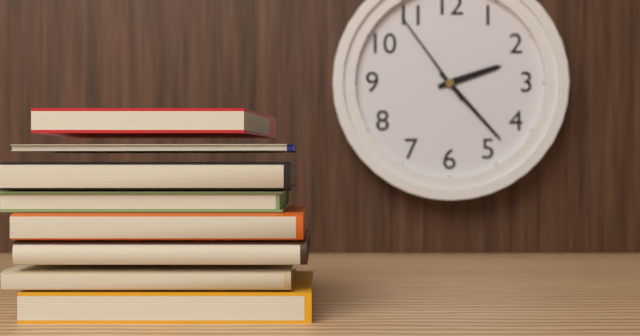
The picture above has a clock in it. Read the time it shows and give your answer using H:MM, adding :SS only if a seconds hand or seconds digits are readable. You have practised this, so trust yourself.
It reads 2:23:54
